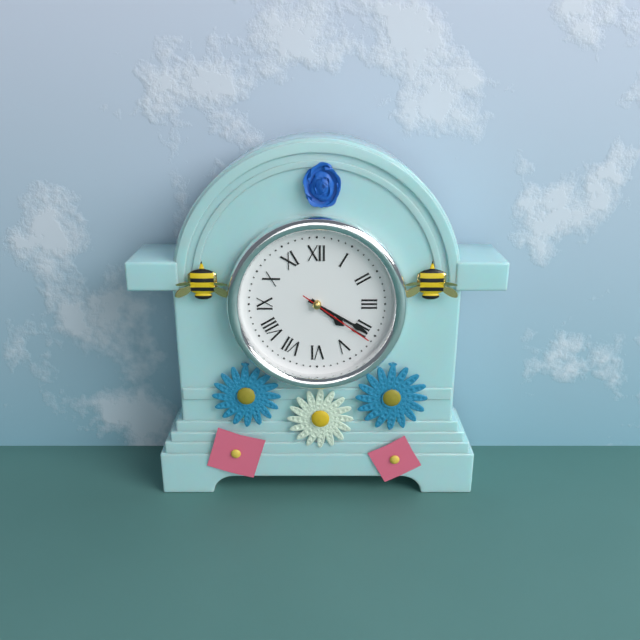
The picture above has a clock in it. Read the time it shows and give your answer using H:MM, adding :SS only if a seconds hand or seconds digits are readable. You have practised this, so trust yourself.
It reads 4:20:21
